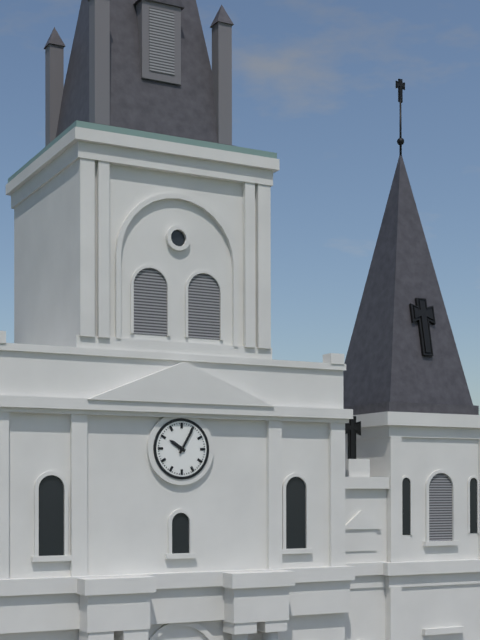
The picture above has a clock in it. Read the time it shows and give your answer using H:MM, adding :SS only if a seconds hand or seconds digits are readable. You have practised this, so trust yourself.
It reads 10:05
